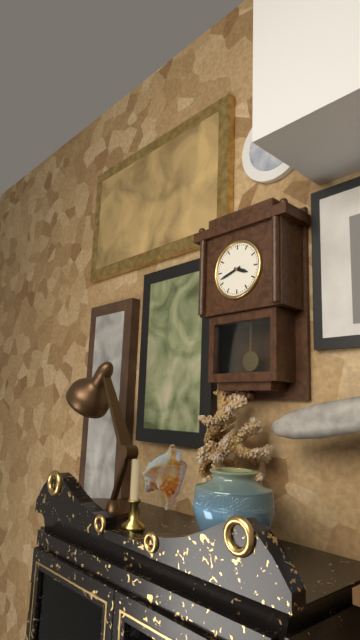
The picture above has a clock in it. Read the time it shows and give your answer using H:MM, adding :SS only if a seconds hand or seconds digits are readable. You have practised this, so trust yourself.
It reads 3:42
